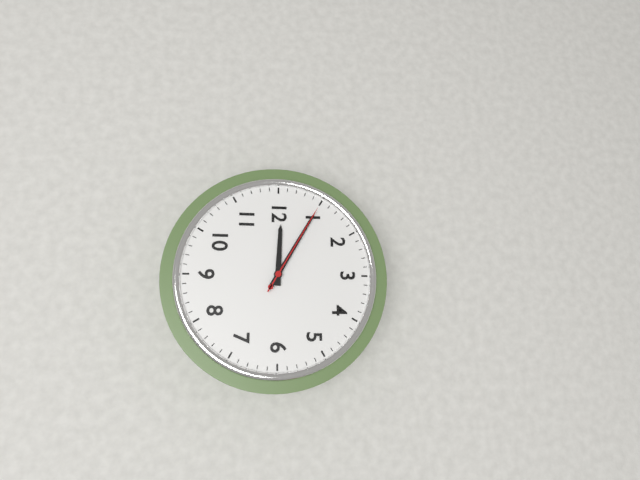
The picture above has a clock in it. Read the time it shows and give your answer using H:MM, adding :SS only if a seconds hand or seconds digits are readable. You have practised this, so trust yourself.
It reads 12:05:05
